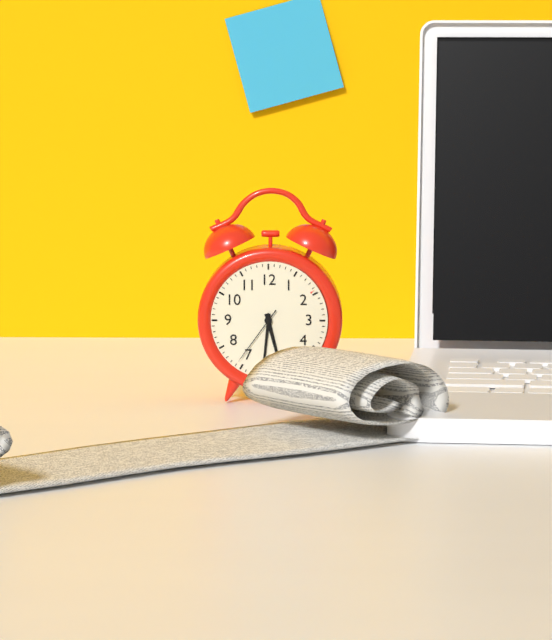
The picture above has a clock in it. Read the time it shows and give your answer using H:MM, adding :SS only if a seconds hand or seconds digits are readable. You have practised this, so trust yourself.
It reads 5:31:36
